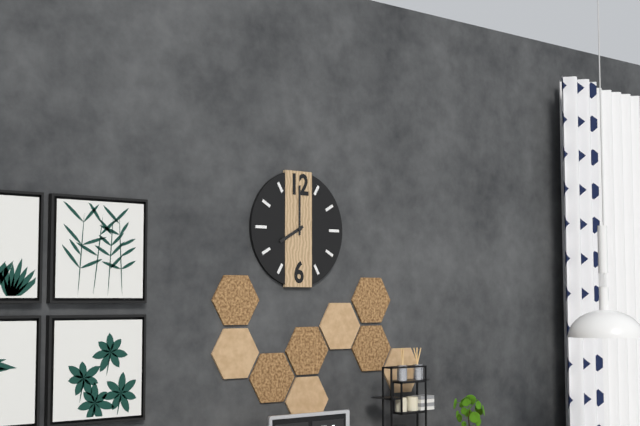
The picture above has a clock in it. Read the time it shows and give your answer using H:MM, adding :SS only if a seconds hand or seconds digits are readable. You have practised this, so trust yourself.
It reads 8:00
